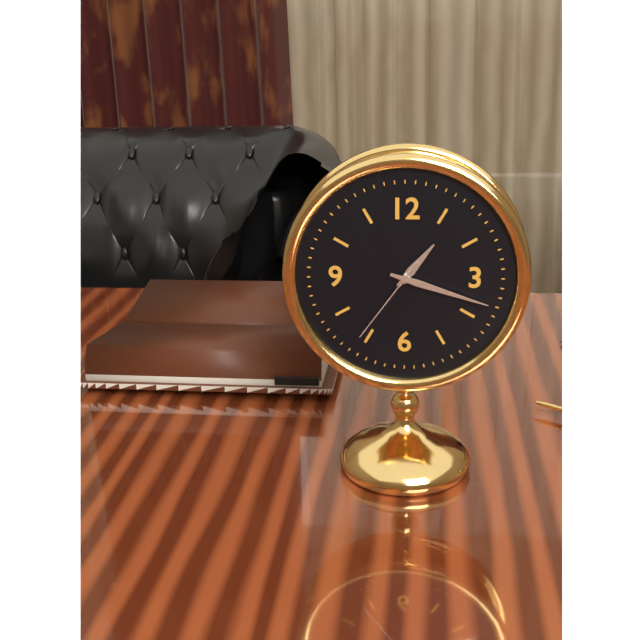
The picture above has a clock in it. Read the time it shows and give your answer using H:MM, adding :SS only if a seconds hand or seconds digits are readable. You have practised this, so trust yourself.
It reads 1:18:36
